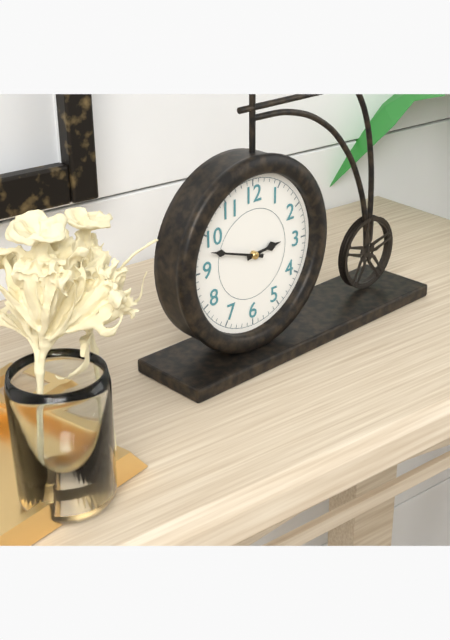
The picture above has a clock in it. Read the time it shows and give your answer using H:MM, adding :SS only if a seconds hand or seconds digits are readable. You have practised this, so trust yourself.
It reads 2:48
